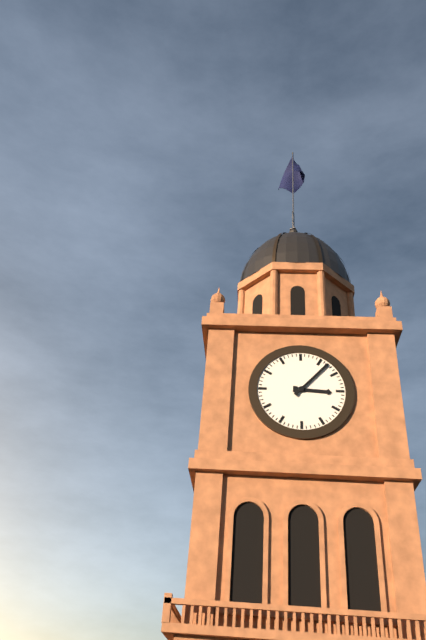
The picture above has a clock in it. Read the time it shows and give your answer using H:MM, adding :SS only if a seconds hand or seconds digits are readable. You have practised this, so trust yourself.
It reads 3:07
